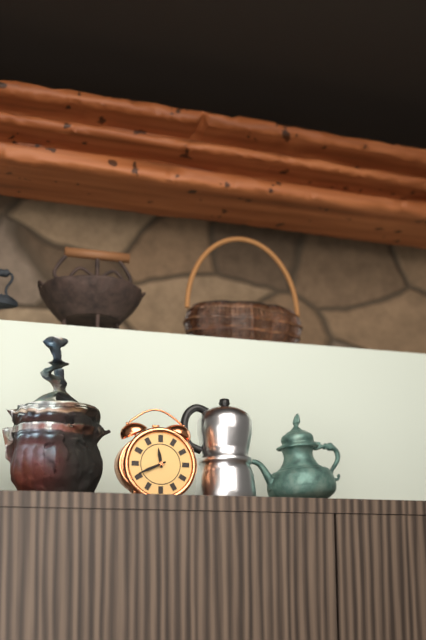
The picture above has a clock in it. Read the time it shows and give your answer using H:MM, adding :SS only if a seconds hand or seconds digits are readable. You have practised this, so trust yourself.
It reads 11:41
